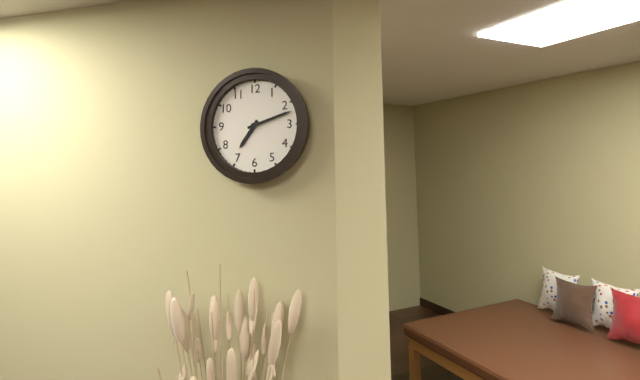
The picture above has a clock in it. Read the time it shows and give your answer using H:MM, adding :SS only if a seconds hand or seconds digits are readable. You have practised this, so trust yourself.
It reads 7:12
